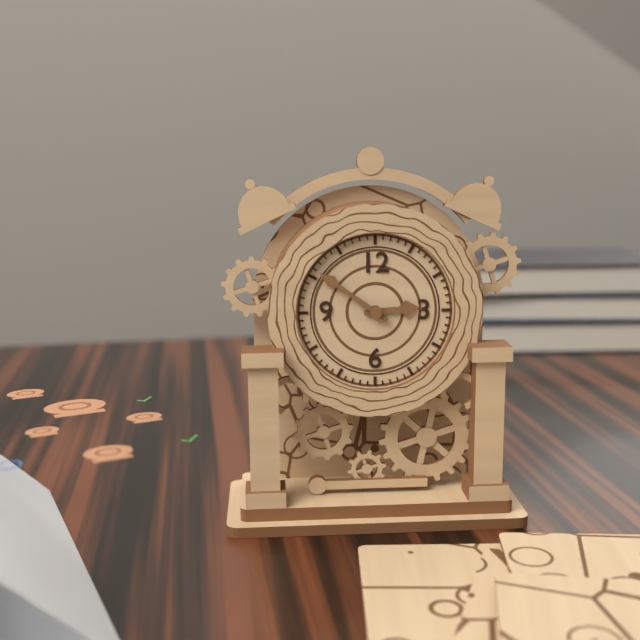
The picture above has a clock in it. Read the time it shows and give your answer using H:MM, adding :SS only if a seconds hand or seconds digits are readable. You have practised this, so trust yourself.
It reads 2:51
